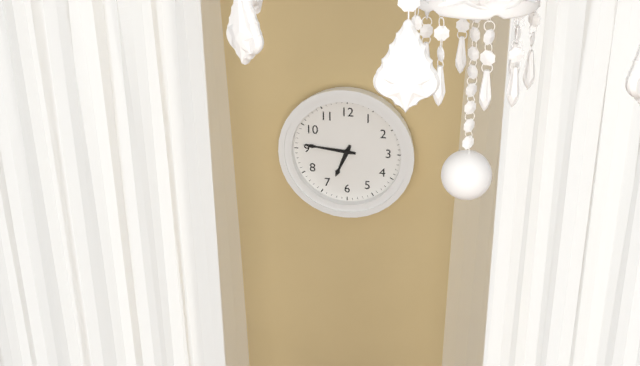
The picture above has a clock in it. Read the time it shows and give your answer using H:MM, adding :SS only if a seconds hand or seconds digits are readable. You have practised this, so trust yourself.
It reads 6:46
